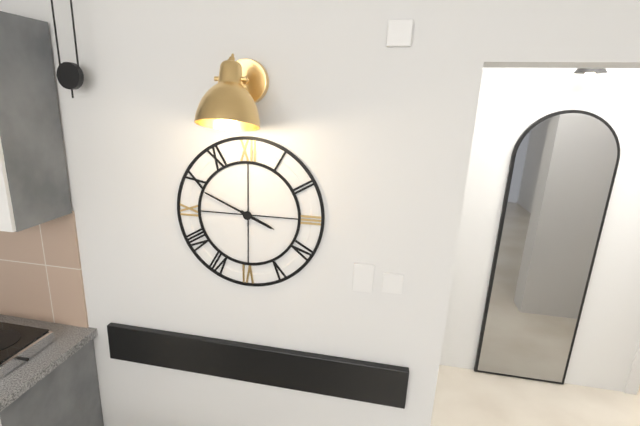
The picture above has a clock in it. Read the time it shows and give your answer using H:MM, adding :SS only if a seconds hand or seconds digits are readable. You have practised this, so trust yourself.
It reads 3:49
